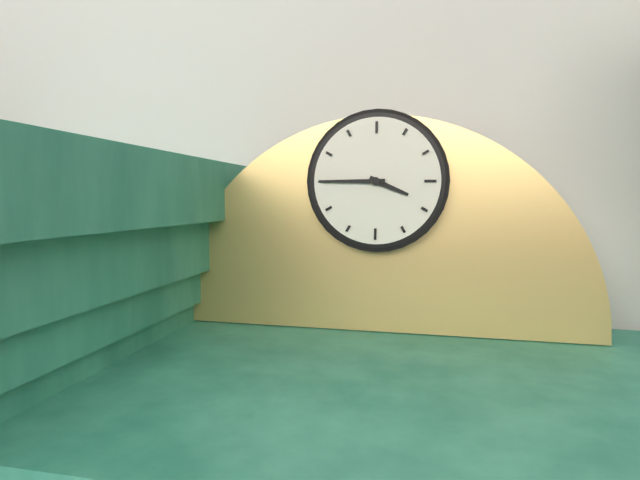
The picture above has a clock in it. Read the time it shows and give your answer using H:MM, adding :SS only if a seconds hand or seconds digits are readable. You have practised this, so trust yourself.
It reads 3:45
